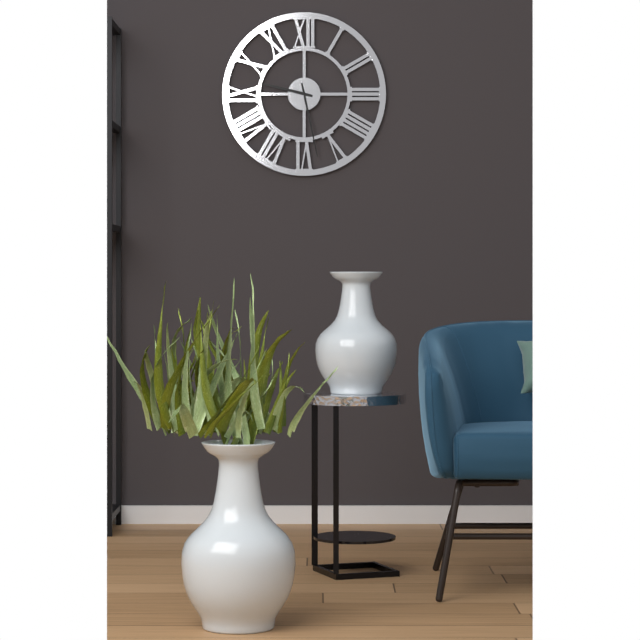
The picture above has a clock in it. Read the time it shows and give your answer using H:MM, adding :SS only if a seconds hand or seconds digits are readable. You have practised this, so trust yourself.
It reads 9:28
